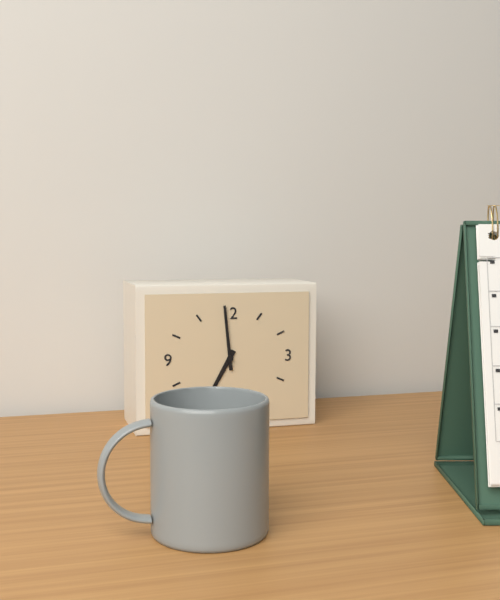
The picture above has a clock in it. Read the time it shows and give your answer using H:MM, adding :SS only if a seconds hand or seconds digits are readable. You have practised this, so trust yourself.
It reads 6:59
